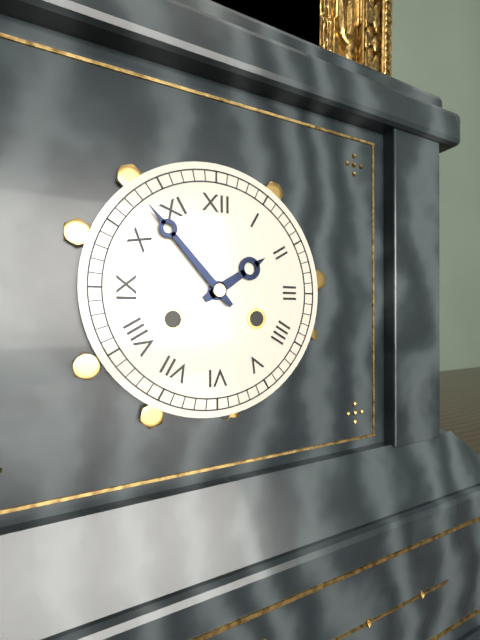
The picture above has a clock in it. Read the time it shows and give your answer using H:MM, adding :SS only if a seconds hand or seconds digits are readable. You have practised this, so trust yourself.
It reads 1:53
